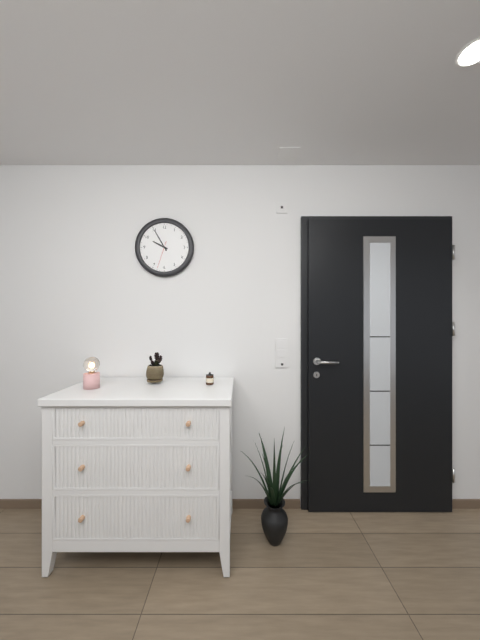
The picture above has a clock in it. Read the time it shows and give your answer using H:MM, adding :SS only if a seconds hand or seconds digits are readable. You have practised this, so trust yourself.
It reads 9:55
